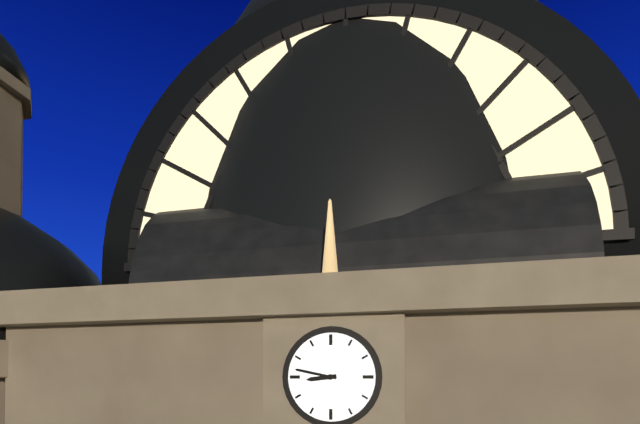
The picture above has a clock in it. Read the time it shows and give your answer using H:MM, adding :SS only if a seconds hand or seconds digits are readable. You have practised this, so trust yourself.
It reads 8:47
